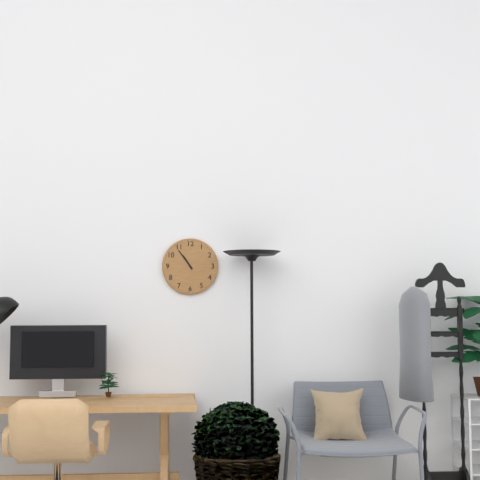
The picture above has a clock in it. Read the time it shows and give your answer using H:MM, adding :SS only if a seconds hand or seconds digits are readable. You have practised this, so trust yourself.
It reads 10:54
